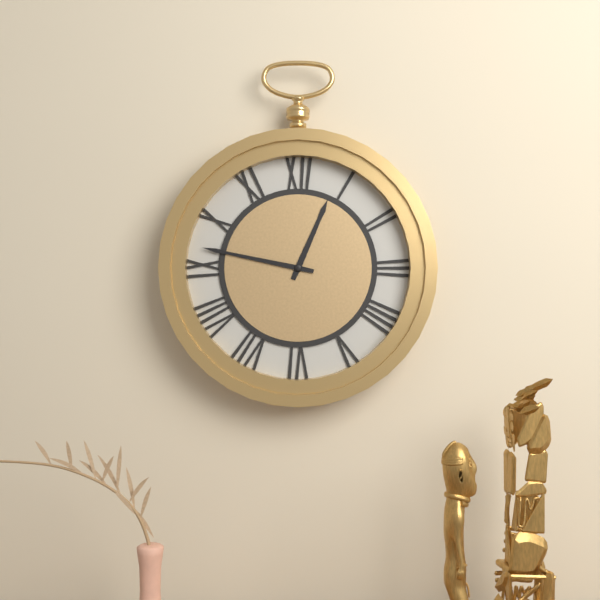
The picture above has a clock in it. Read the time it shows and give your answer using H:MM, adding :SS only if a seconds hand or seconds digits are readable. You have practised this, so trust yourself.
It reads 12:47
